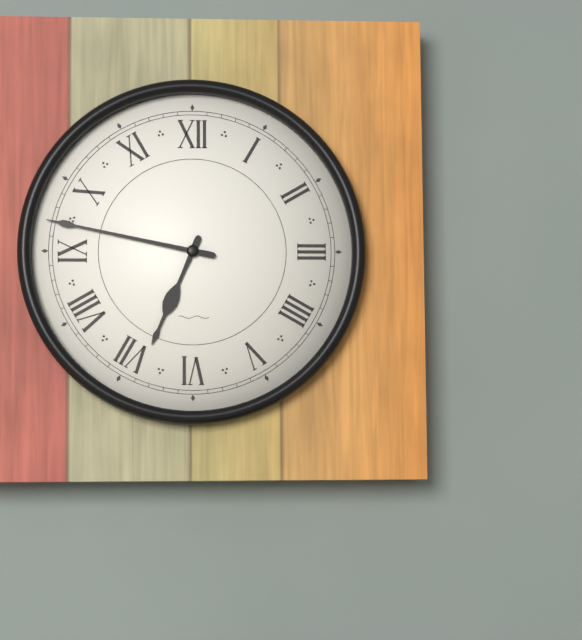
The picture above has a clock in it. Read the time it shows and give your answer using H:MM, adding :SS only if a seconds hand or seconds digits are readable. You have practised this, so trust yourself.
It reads 6:47
